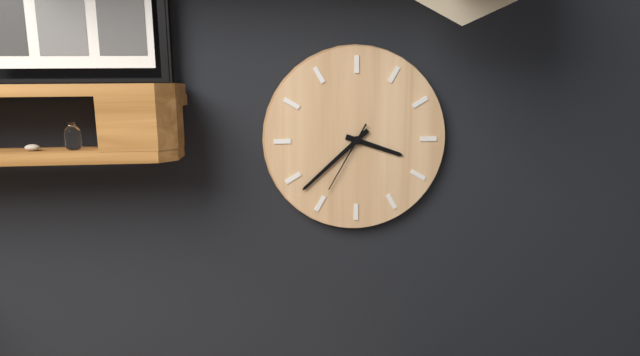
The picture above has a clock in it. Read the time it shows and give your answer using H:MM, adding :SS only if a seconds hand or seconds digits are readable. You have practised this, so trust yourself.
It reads 3:38:35
